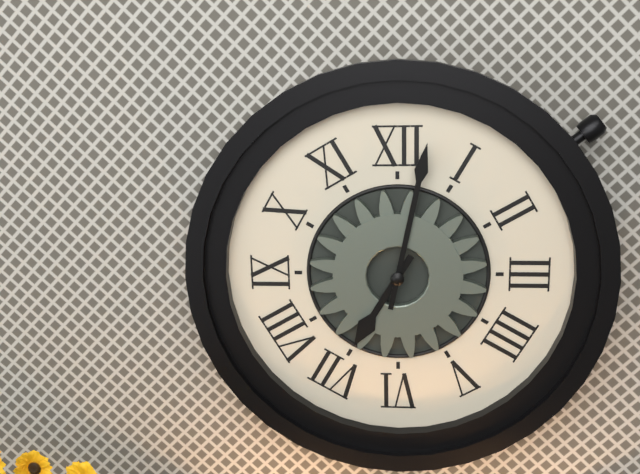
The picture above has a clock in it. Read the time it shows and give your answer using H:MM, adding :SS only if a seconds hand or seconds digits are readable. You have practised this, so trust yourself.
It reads 7:02
